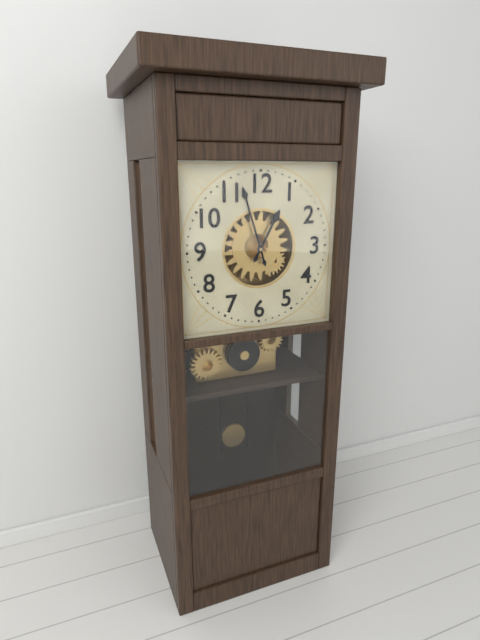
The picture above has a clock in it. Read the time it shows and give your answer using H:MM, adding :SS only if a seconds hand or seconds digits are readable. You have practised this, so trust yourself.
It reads 12:57
